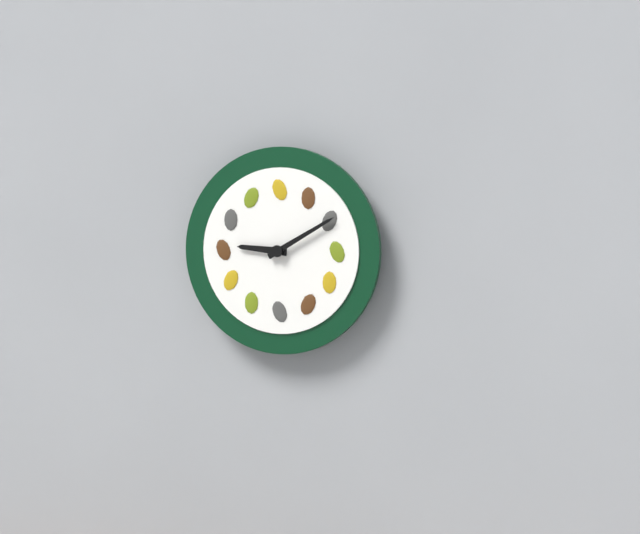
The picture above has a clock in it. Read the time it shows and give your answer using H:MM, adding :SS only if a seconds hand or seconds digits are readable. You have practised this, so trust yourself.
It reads 9:10
